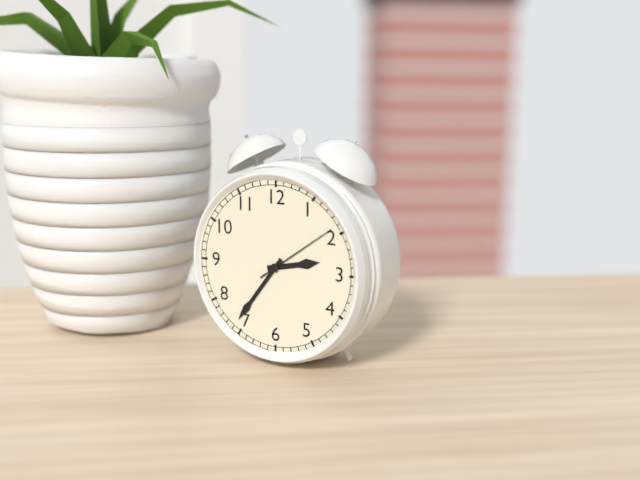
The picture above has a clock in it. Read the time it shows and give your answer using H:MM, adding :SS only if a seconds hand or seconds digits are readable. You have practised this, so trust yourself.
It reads 2:36:09
